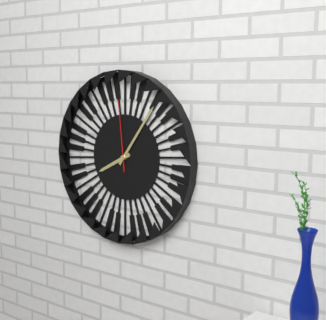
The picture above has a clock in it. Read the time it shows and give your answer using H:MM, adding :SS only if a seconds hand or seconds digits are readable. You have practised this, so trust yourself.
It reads 8:06:59
